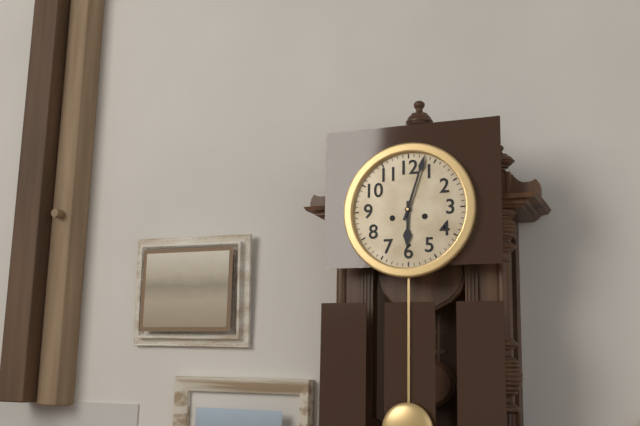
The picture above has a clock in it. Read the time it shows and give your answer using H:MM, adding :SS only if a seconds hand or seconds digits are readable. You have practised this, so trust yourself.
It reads 6:03
